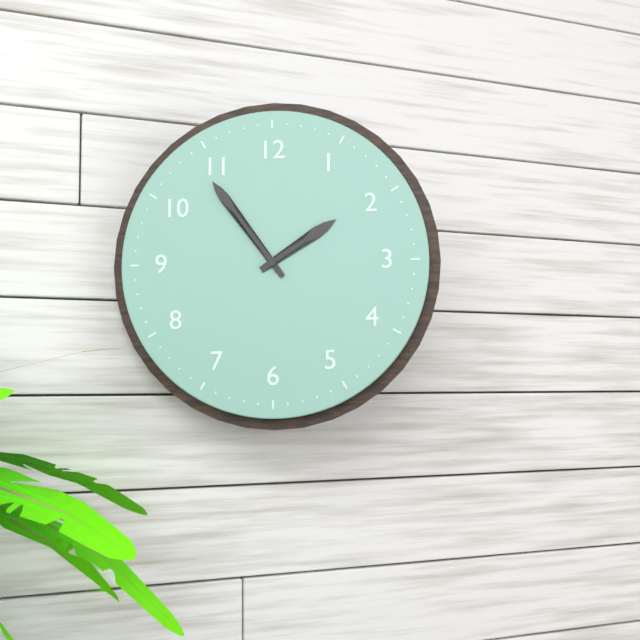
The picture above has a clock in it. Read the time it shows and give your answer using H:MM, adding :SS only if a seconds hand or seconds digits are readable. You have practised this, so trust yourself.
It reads 1:54
